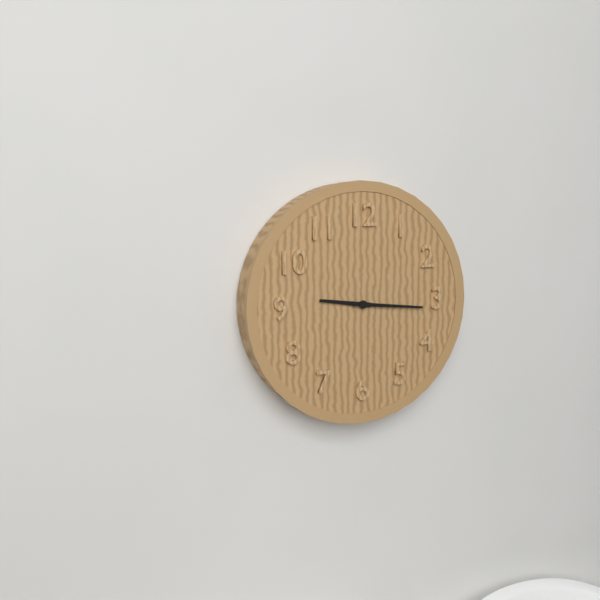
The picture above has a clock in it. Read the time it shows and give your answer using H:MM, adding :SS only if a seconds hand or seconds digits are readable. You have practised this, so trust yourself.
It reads 9:16
